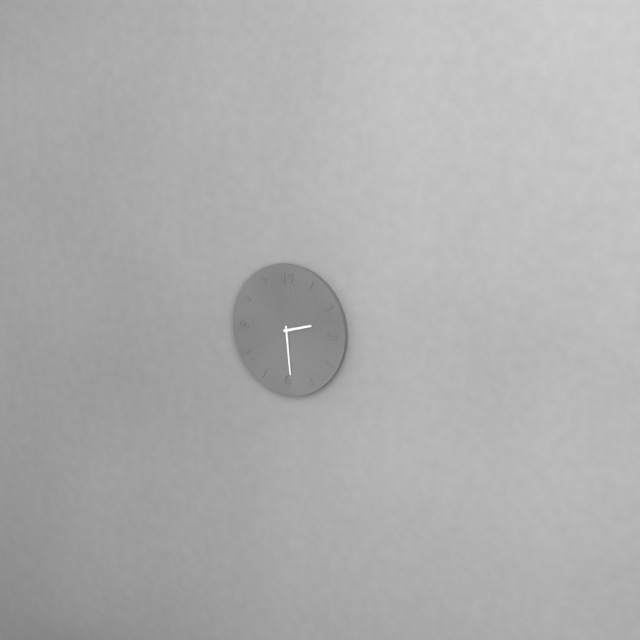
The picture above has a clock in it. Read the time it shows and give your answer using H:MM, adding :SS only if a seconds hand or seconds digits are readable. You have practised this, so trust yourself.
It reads 2:29
